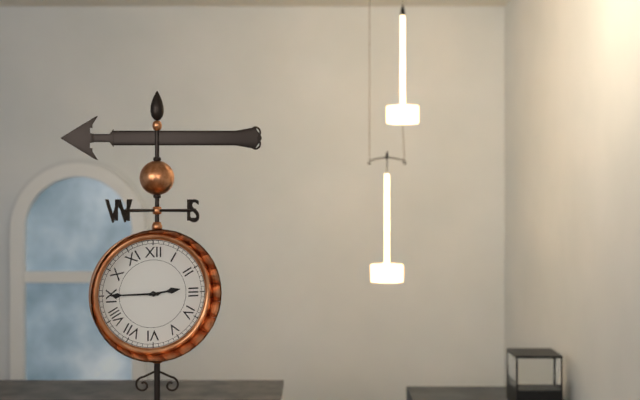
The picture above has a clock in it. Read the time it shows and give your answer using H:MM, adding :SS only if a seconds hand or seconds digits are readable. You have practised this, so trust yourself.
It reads 2:45
